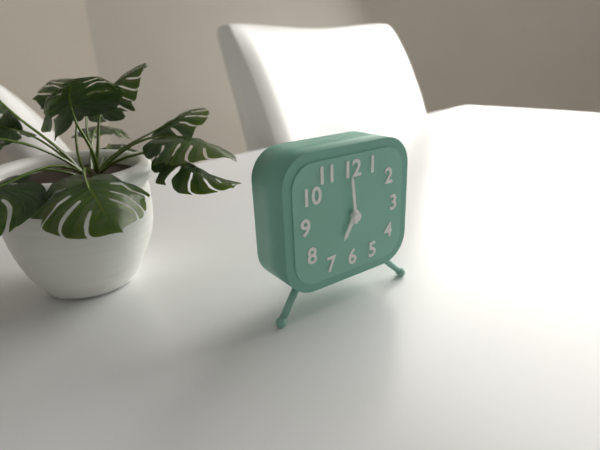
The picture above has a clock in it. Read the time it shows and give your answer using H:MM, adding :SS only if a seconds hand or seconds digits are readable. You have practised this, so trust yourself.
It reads 6:59
